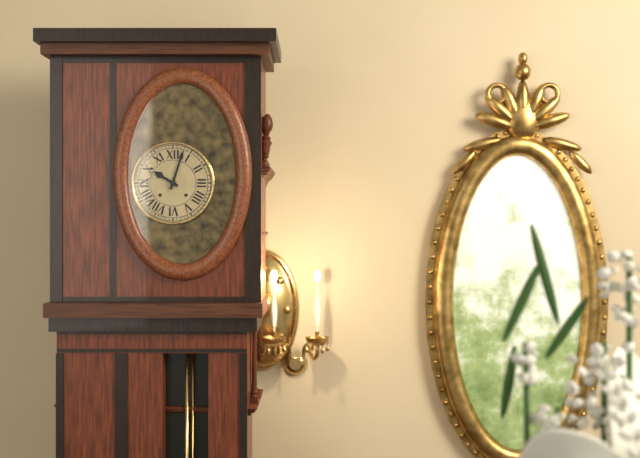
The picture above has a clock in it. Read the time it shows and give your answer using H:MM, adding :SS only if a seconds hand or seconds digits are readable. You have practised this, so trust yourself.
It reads 10:03
